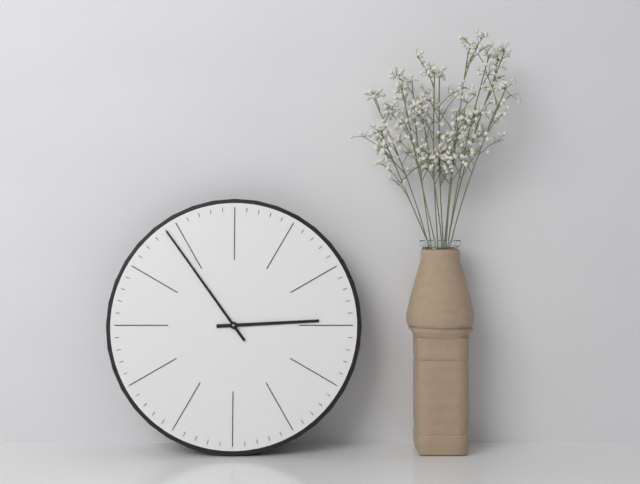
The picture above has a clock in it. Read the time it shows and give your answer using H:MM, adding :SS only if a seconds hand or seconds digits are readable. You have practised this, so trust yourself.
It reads 2:54
